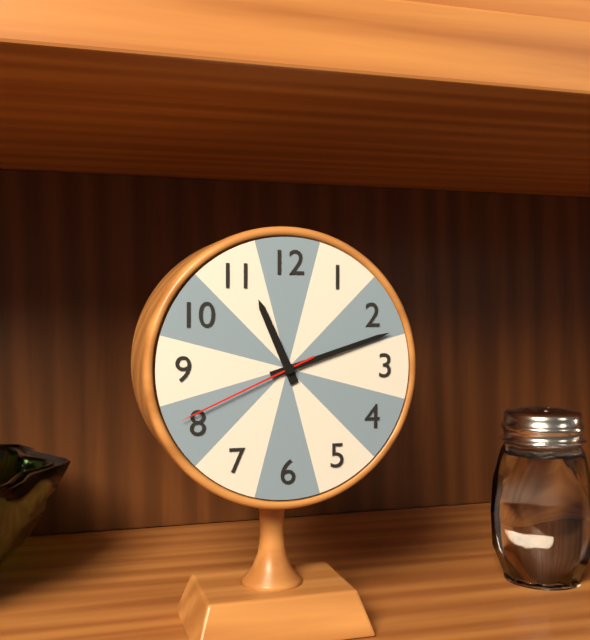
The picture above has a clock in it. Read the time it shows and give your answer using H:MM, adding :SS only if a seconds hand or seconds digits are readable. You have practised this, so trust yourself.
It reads 11:12:41
